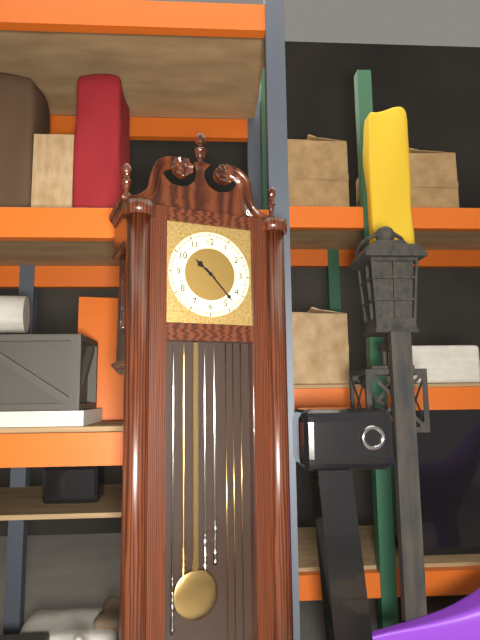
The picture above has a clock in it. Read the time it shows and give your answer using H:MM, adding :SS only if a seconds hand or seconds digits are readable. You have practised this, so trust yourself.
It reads 10:23
